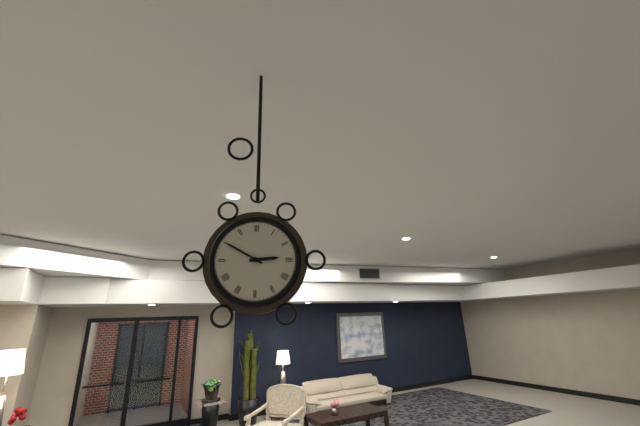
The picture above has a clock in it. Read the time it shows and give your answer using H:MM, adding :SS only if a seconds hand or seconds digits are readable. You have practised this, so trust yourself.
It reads 2:50
